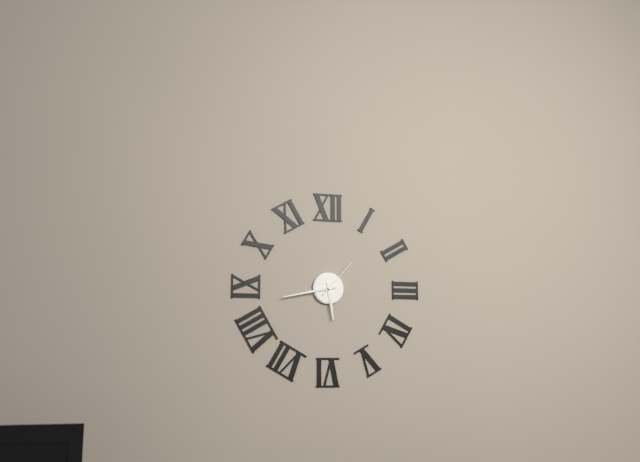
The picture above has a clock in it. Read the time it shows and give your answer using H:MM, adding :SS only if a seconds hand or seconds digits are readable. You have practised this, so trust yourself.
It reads 5:43
